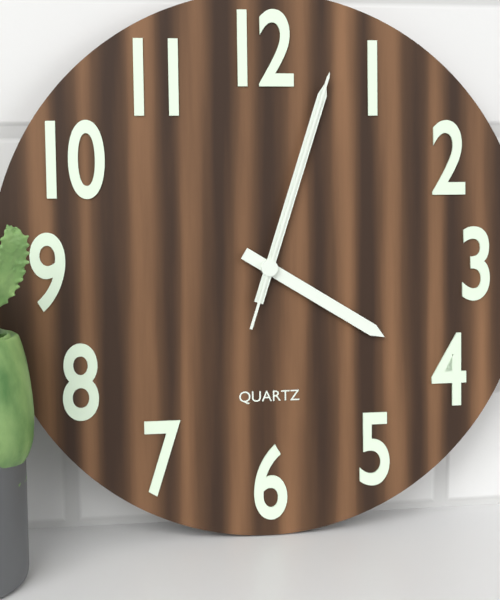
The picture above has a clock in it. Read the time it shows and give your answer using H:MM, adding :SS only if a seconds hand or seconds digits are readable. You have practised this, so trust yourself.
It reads 4:03:03
